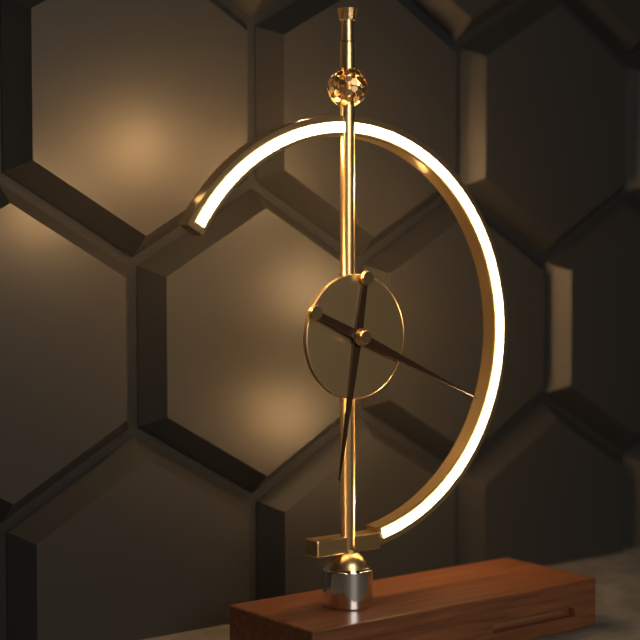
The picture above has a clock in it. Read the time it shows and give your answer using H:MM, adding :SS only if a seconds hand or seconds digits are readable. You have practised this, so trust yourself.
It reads 6:19
